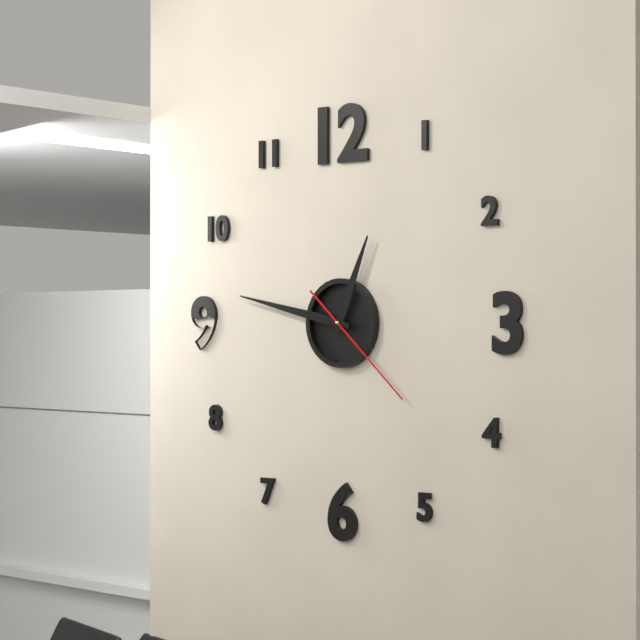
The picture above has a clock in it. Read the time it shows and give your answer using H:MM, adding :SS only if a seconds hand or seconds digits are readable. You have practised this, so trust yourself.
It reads 12:47:22
